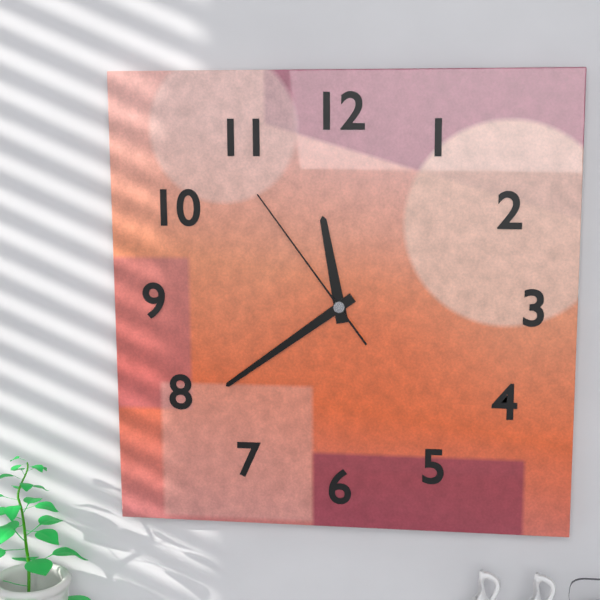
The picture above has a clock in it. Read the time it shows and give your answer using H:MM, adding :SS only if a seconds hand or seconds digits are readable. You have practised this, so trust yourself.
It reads 11:39:54
